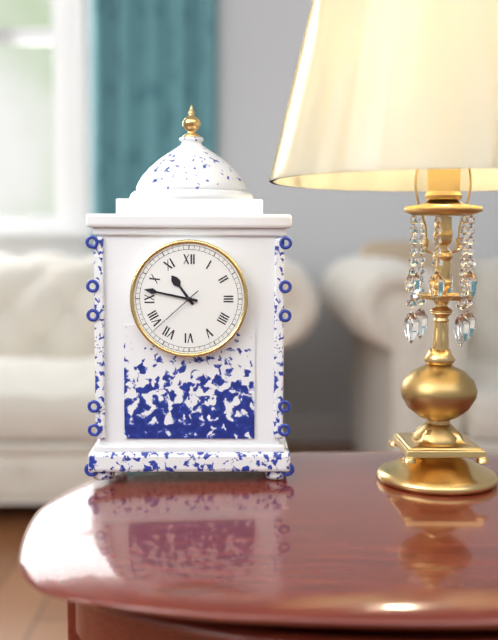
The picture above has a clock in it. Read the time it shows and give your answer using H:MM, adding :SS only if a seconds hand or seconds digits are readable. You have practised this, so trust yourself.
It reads 10:47:38
